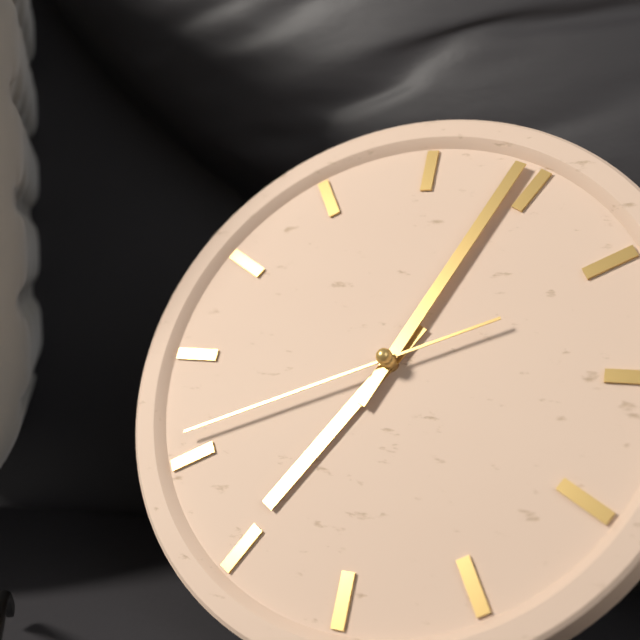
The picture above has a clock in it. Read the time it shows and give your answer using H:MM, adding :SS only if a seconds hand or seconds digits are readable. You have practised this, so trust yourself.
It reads 7:04:41
